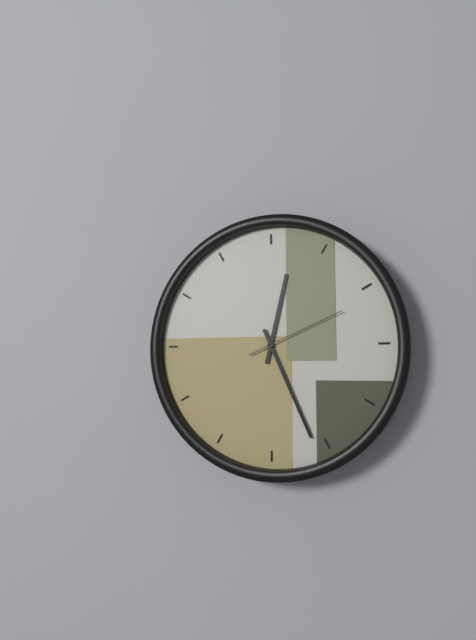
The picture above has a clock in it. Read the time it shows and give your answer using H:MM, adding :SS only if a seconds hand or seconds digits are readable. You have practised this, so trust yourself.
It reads 12:26:11
